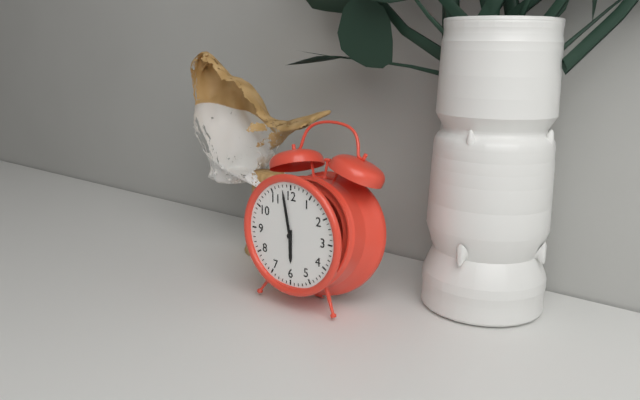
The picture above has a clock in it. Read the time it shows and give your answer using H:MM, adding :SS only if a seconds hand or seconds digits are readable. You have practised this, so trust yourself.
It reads 5:58
